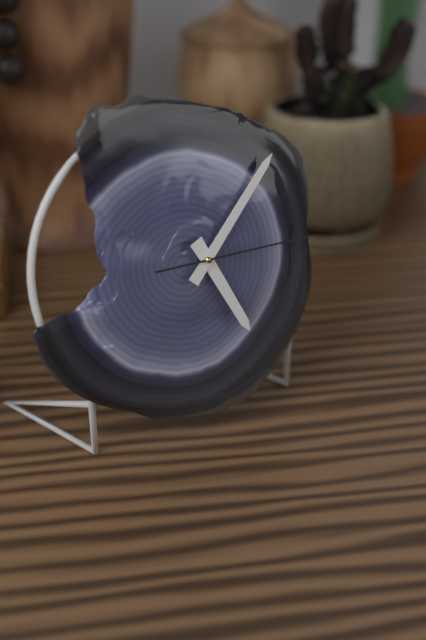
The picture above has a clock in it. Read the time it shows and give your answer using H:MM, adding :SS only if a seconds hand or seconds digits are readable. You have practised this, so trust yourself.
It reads 5:07:15
